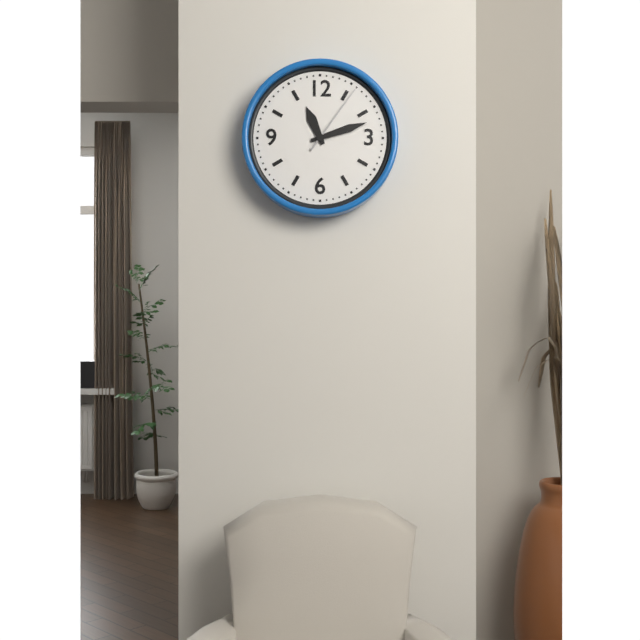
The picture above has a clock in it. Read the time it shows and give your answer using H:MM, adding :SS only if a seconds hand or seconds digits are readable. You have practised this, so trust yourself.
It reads 11:12:06
